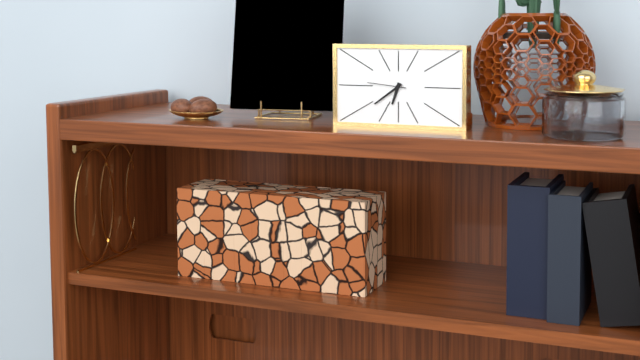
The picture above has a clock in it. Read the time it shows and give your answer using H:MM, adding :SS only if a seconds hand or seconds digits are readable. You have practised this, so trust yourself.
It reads 6:39
